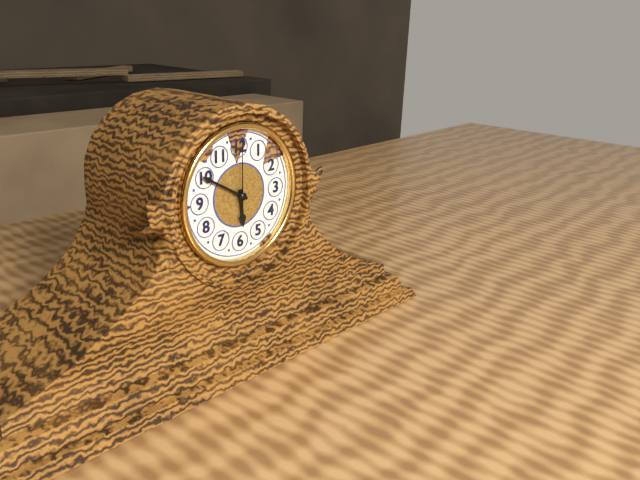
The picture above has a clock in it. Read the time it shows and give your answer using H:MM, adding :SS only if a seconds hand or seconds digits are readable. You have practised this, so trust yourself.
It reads 5:50:00
